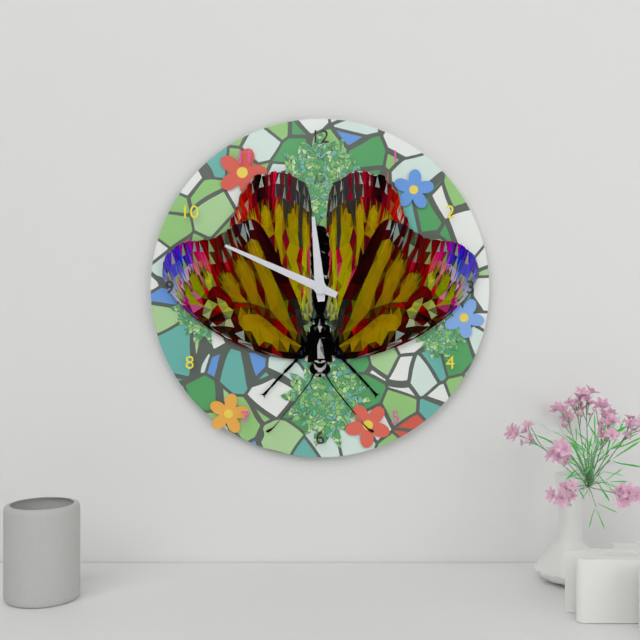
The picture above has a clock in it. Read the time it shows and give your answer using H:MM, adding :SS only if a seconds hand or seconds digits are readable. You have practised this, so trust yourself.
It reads 11:49
